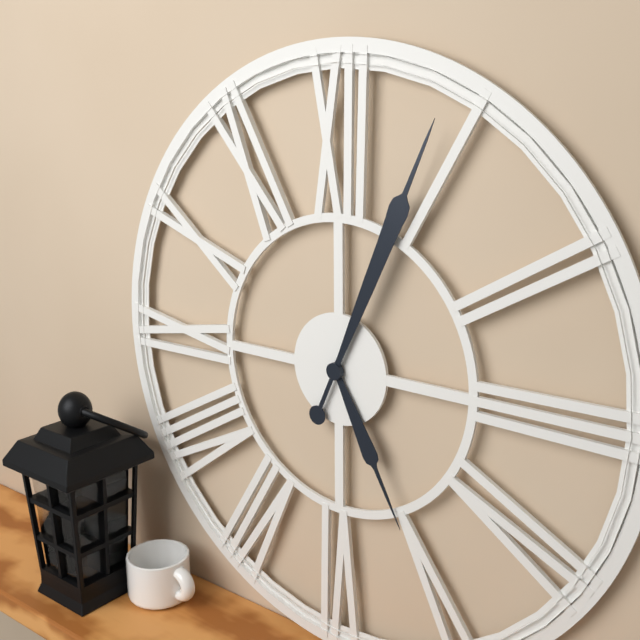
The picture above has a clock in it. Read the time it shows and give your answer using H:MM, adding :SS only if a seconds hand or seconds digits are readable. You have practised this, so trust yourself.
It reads 5:04
